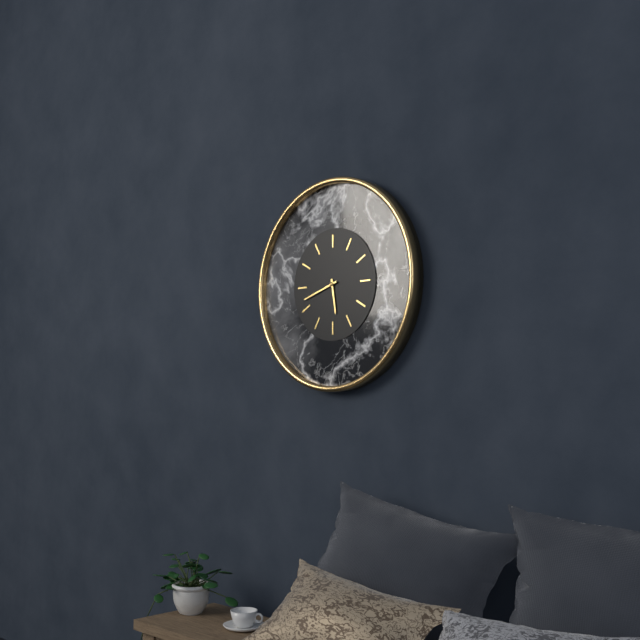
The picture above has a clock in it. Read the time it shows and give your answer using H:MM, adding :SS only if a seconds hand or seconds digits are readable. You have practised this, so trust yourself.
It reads 5:42
